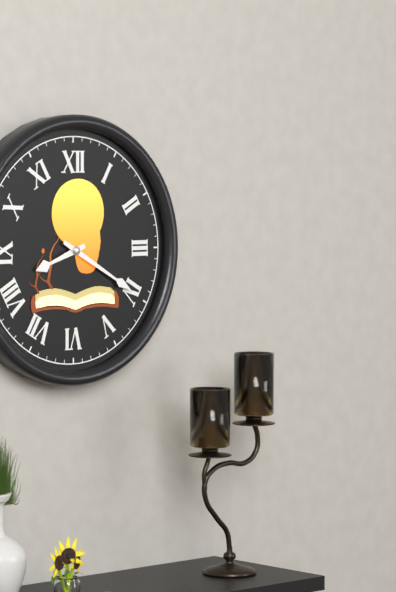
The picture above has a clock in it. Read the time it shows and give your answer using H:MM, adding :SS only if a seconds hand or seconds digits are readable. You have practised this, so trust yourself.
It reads 8:20
